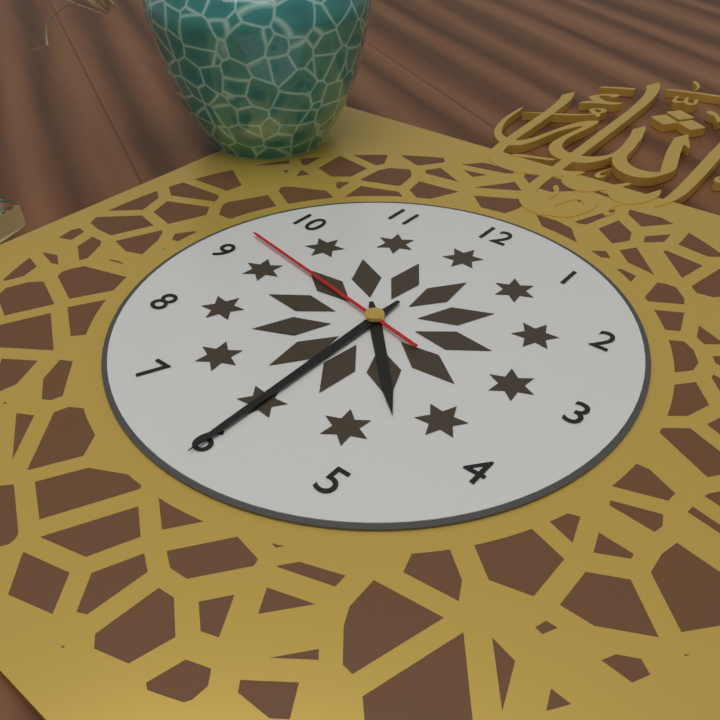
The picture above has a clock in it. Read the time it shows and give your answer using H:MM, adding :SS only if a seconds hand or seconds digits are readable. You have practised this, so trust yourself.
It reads 4:30:47
